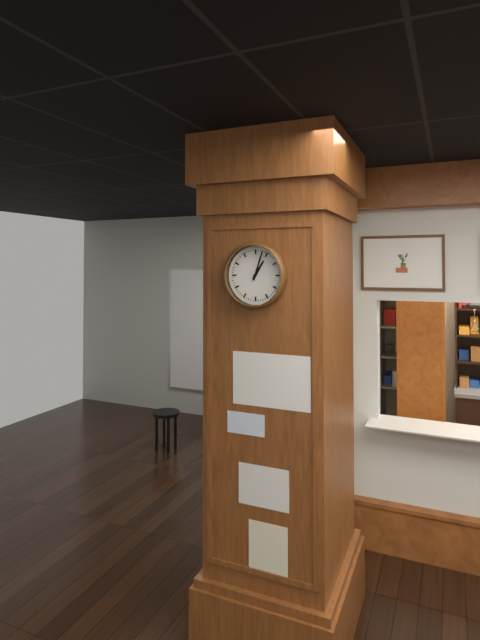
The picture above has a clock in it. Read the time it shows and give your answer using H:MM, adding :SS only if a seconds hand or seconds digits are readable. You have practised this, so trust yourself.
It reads 1:03
